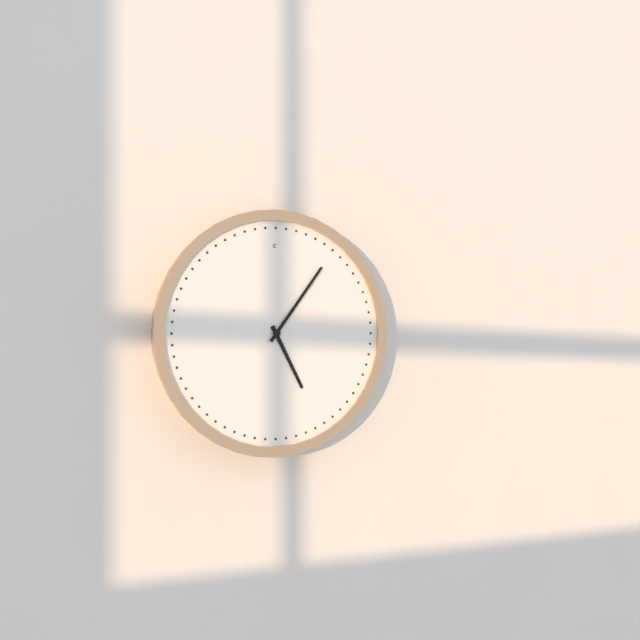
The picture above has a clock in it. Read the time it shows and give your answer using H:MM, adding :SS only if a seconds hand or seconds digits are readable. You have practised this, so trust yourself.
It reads 5:06
